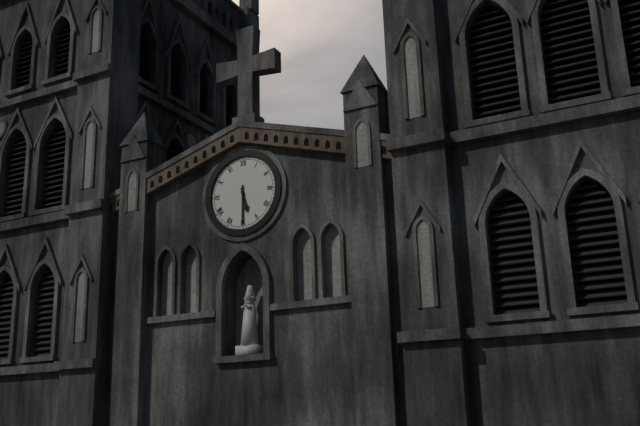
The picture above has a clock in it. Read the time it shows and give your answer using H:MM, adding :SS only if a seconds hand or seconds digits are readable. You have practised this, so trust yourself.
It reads 5:30
